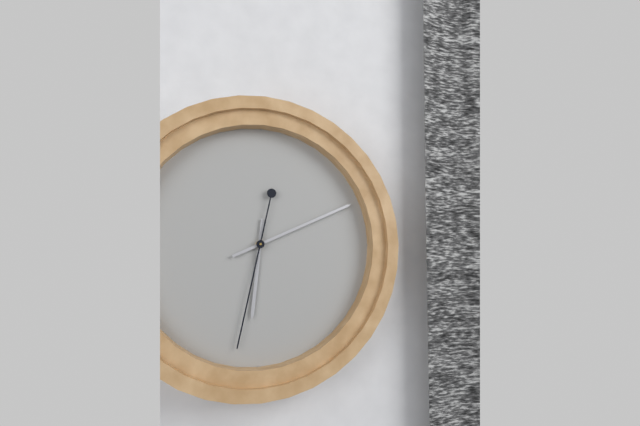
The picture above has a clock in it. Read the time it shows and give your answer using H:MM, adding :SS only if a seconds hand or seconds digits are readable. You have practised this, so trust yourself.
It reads 6:11:32
